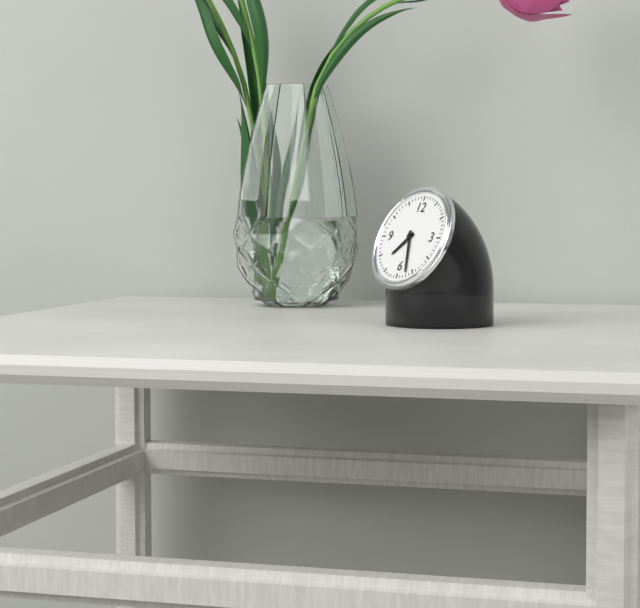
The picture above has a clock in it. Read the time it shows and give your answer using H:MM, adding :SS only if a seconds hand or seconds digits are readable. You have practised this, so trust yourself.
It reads 7:27
